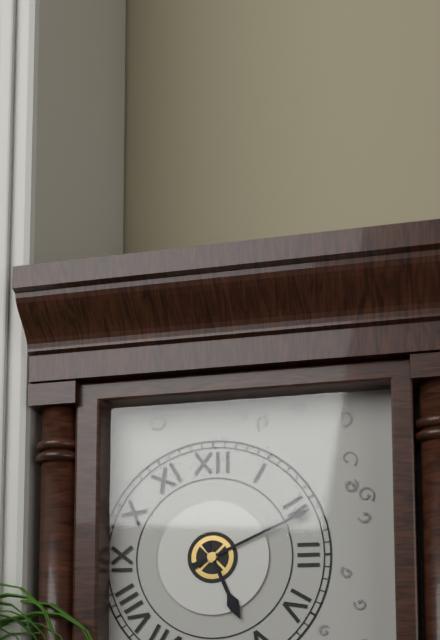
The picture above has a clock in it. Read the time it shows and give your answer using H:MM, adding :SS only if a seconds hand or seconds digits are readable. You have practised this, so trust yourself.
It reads 5:11
